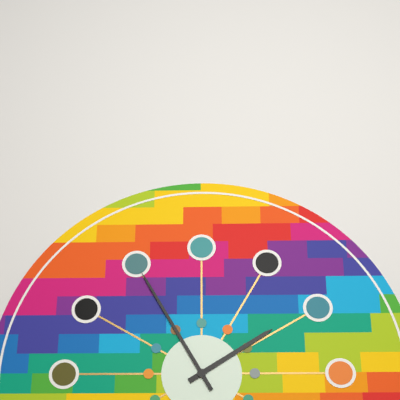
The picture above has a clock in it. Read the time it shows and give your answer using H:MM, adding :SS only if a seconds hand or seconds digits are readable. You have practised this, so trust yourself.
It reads 1:55
